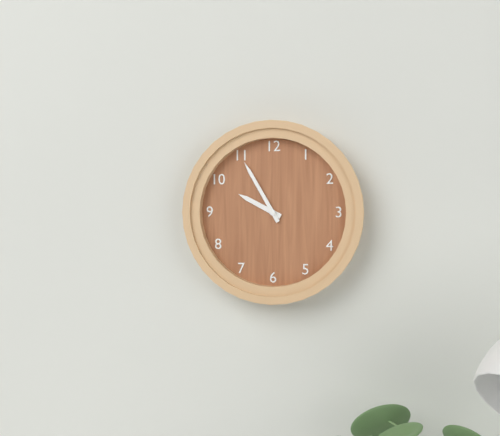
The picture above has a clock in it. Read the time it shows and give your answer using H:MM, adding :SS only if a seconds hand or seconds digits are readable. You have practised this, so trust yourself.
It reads 9:55
